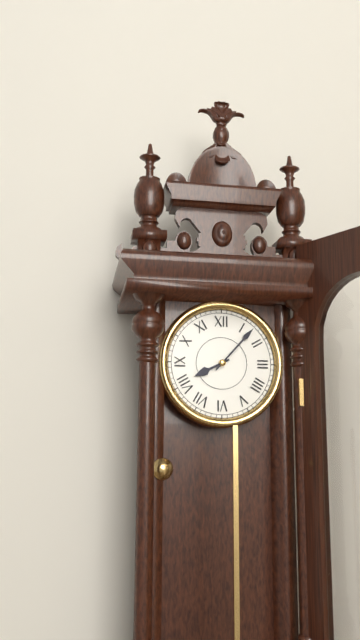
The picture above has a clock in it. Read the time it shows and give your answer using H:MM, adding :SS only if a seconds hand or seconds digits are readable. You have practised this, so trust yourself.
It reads 8:07
